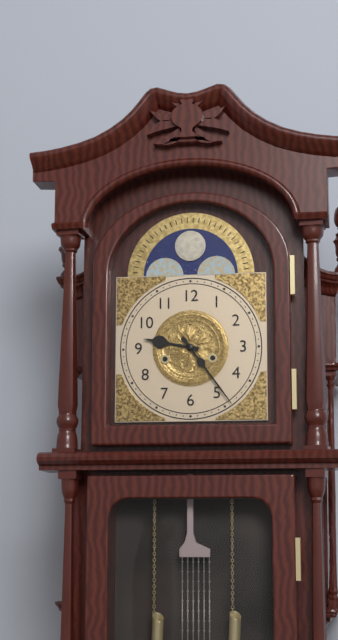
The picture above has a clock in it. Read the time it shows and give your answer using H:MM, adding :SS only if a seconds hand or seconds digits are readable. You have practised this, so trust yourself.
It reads 9:24
